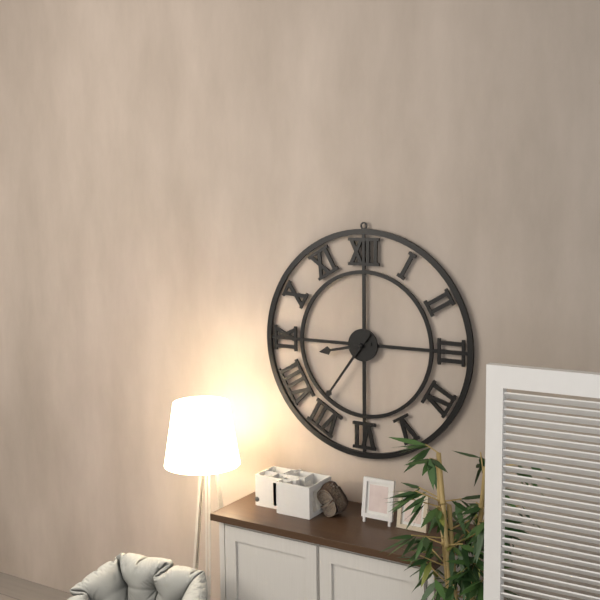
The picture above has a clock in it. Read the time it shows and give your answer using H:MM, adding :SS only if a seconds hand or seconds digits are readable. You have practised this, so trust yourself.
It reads 8:36
